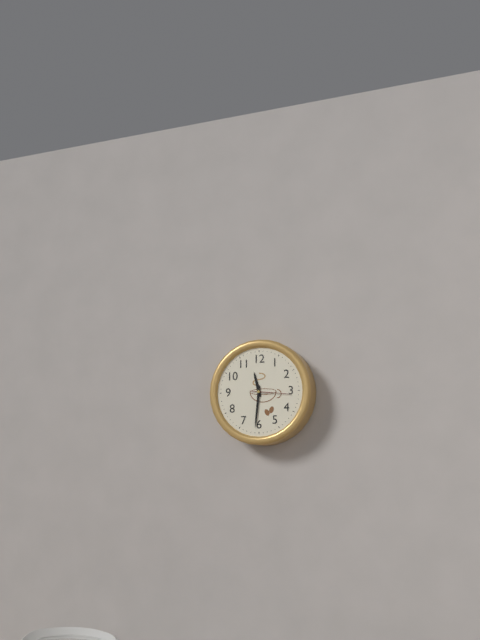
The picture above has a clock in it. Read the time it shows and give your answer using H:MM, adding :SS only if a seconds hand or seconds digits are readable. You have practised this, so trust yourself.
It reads 11:31
